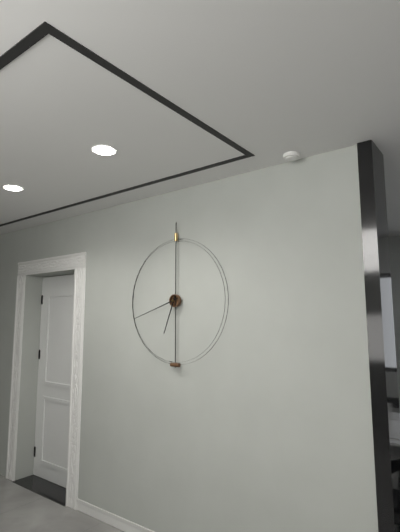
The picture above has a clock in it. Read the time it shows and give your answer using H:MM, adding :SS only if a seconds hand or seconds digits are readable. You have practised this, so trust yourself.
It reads 6:42
